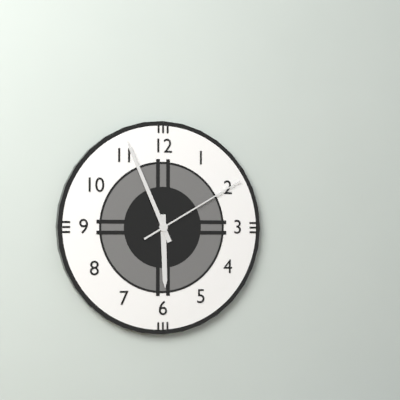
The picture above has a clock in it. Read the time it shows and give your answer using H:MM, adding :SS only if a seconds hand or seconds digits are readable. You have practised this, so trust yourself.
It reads 5:56:10
